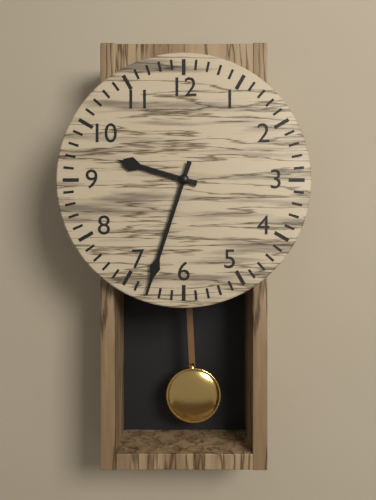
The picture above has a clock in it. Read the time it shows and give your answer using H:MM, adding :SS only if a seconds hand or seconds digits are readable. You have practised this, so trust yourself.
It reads 9:33
